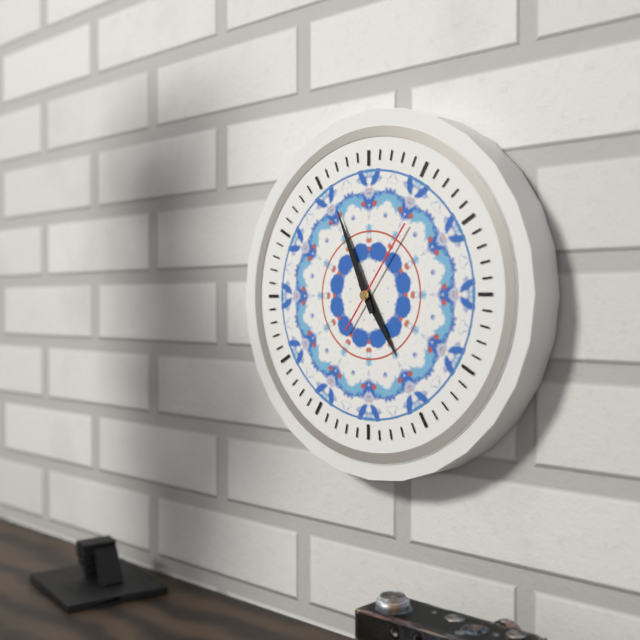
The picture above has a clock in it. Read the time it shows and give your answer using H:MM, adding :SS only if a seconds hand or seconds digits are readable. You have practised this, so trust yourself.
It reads 4:56:06
